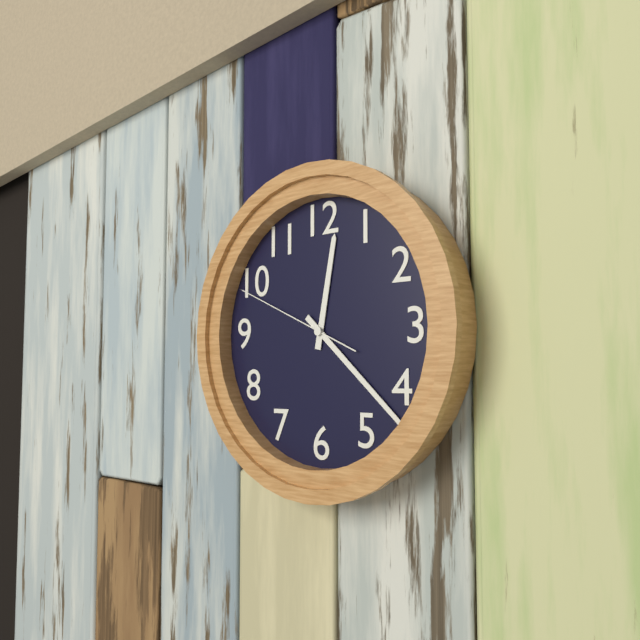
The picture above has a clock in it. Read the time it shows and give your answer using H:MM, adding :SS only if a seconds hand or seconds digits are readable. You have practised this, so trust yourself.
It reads 12:22:49
